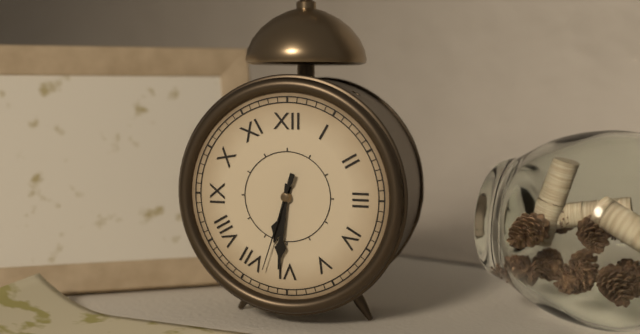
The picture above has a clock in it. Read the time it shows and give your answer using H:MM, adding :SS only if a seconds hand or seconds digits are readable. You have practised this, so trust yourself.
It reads 6:31:33
